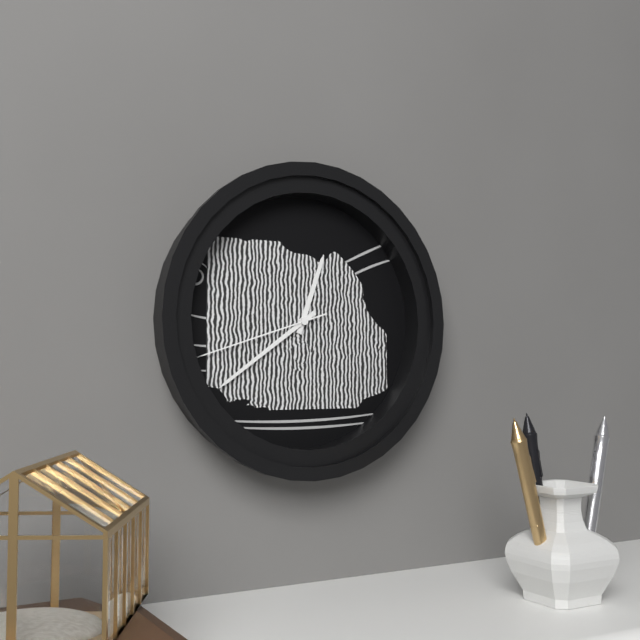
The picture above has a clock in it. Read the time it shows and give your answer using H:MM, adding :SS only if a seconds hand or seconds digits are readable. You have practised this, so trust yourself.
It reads 12:39:42
